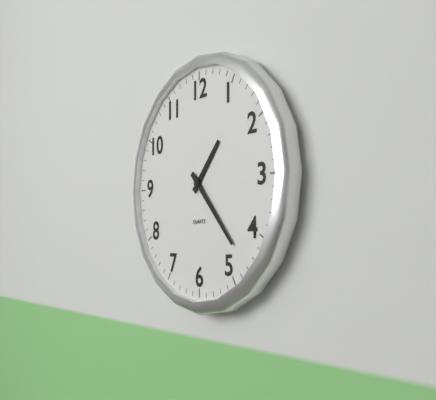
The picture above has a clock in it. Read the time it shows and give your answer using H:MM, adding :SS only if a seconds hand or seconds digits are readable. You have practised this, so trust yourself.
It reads 1:23
